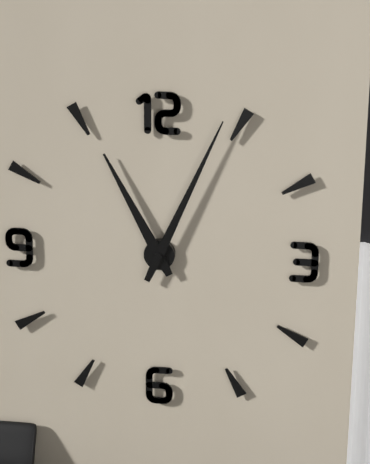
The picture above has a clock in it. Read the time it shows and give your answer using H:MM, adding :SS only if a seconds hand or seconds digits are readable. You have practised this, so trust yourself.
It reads 11:04
